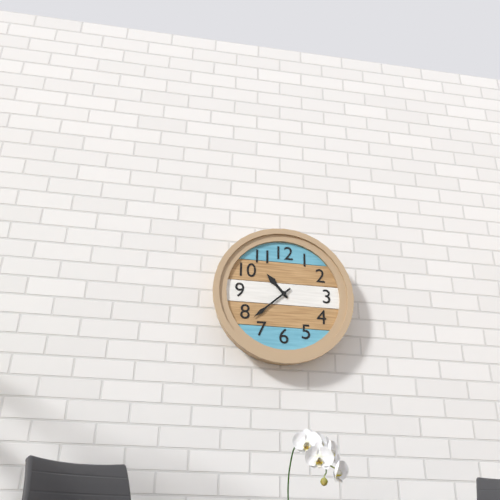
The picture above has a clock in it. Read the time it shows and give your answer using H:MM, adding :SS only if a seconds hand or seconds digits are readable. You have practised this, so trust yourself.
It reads 10:38
